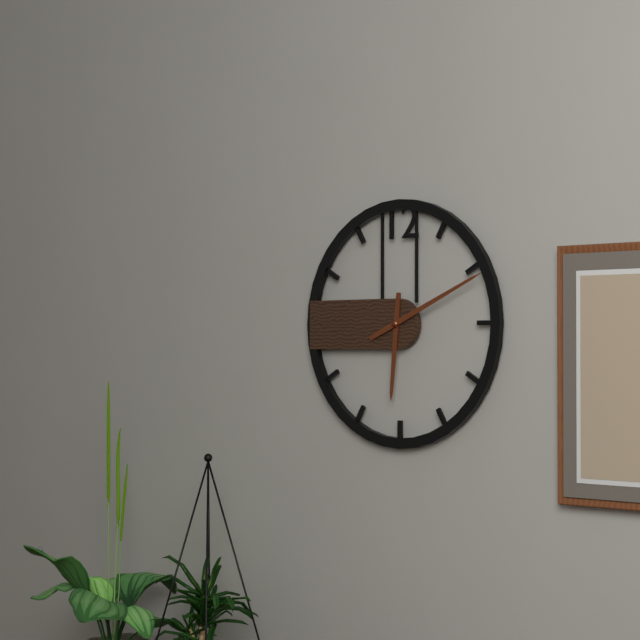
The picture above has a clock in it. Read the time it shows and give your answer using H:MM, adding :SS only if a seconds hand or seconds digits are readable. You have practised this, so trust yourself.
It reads 6:11
